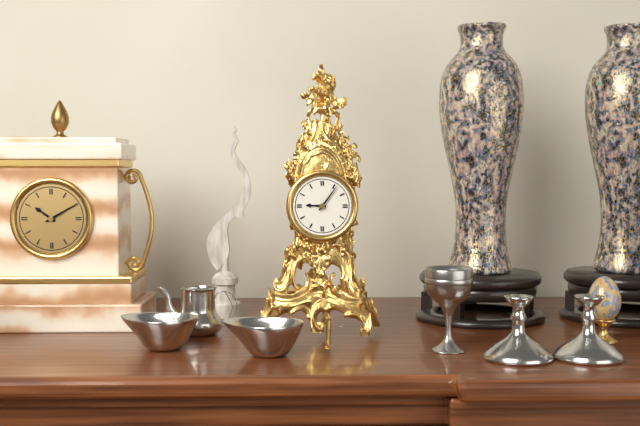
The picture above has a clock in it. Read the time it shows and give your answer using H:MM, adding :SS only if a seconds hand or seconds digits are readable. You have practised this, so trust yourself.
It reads 9:06
